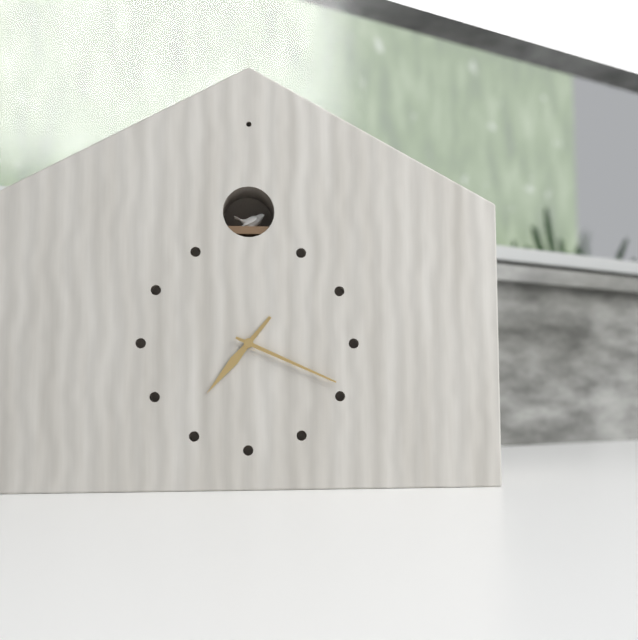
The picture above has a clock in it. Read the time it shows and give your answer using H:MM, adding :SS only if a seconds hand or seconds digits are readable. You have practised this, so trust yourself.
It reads 7:19
